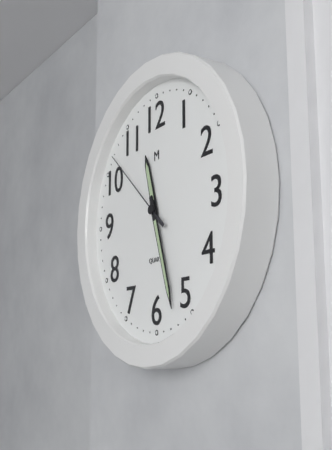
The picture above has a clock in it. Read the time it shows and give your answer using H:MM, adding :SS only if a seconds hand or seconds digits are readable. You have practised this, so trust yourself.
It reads 11:27:52
